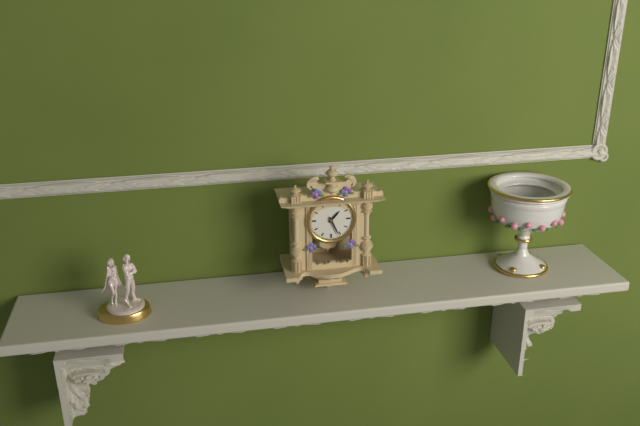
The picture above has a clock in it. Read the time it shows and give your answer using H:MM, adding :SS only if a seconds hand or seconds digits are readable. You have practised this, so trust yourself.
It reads 1:26
